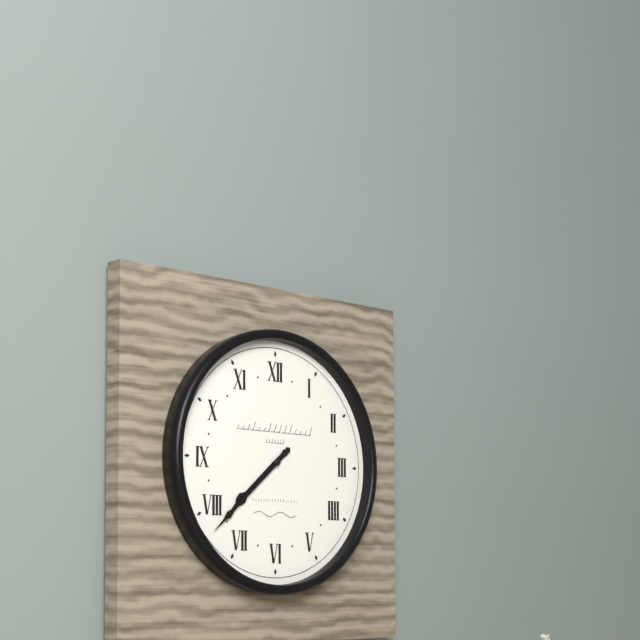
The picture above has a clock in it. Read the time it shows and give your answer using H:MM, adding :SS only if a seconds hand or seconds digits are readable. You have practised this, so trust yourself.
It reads 7:38
